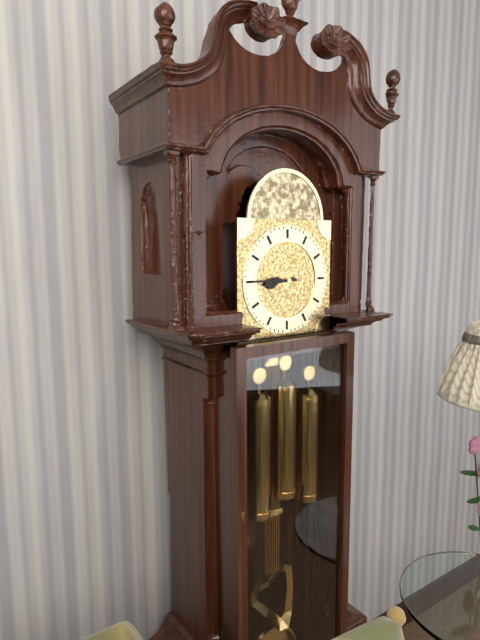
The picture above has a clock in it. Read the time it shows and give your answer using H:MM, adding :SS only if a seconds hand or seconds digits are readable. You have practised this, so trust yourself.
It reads 8:45
